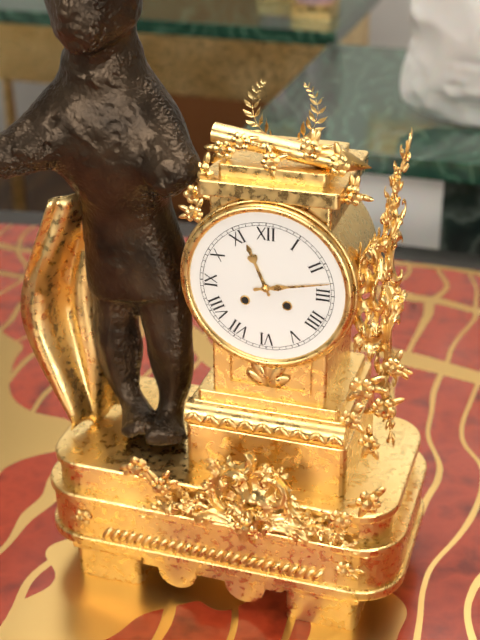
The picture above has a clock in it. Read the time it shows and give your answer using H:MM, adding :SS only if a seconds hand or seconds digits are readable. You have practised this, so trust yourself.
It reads 11:13
